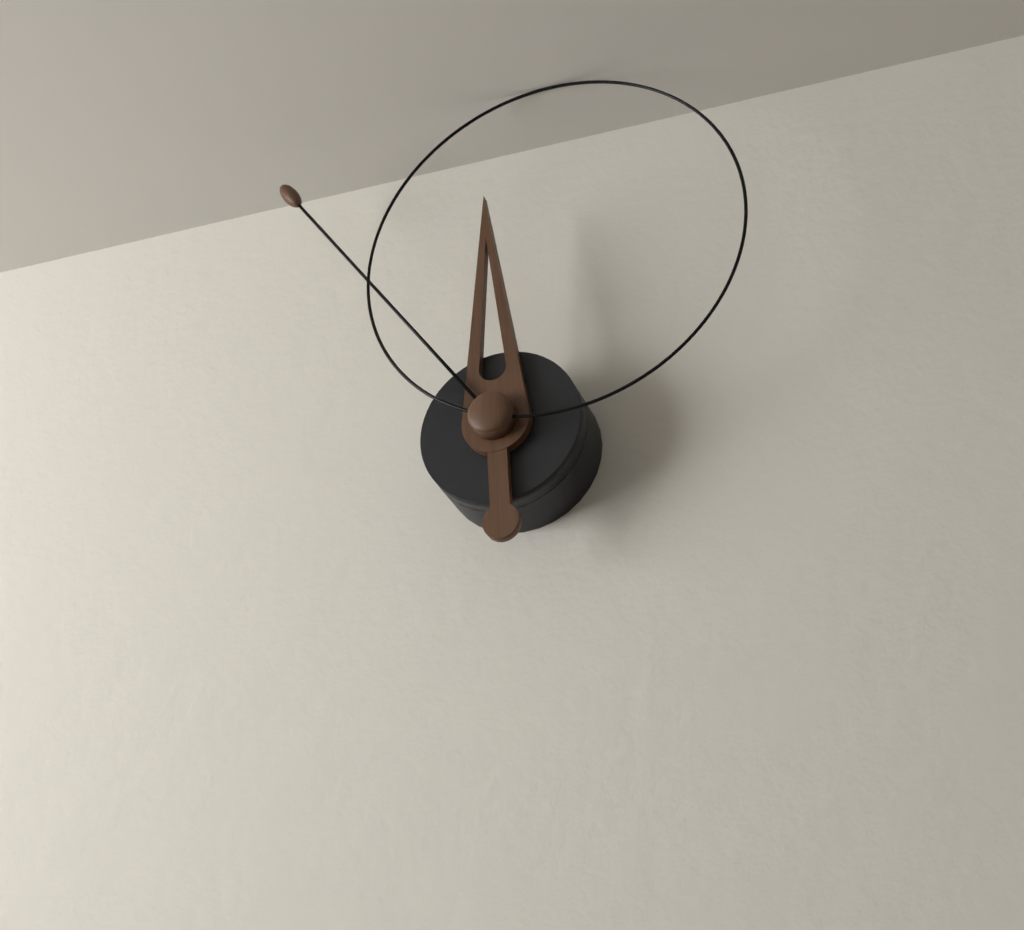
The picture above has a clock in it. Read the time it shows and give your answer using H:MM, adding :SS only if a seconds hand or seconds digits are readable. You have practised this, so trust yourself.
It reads 11:54:03
